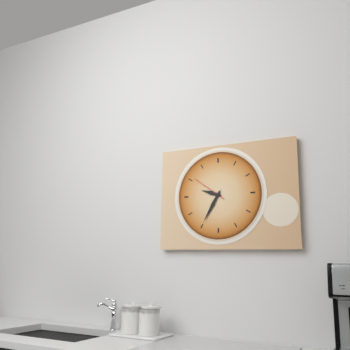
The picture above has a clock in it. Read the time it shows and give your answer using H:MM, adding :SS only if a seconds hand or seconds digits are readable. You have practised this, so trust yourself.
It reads 9:35
